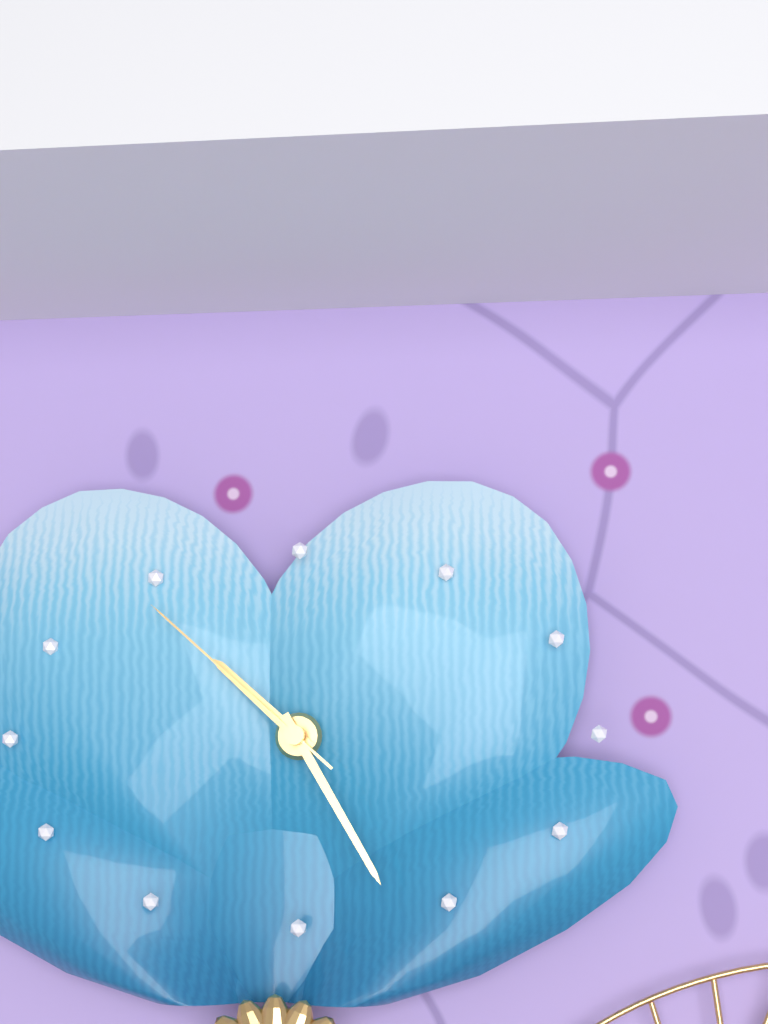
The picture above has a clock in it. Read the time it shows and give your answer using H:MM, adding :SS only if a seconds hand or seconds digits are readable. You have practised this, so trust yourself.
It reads 10:25:52
